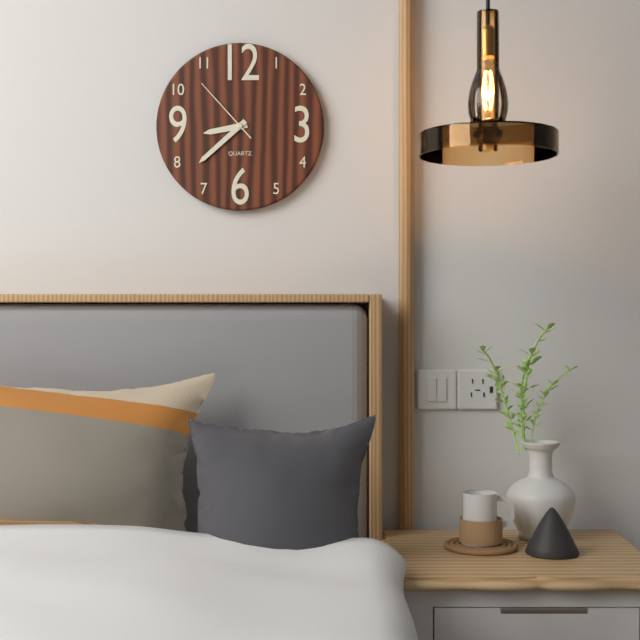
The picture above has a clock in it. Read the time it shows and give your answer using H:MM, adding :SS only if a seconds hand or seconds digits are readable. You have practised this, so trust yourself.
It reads 8:38:53
